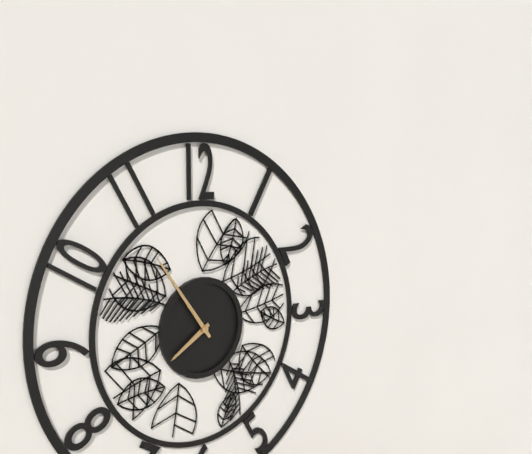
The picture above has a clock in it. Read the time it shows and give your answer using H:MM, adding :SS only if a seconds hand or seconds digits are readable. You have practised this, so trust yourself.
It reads 7:54
